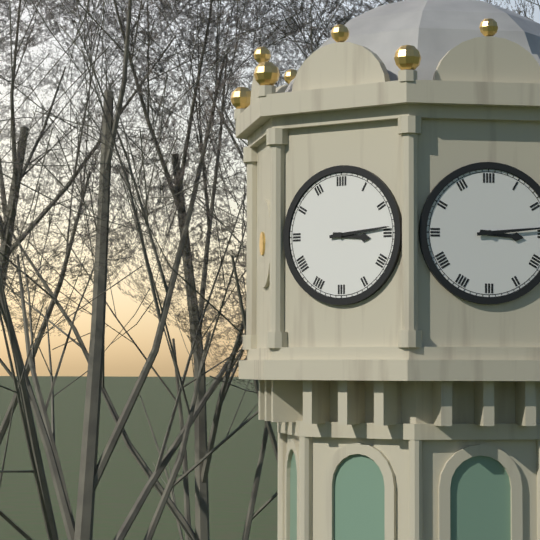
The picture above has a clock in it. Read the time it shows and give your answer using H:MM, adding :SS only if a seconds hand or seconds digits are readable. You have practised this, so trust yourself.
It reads 3:14
